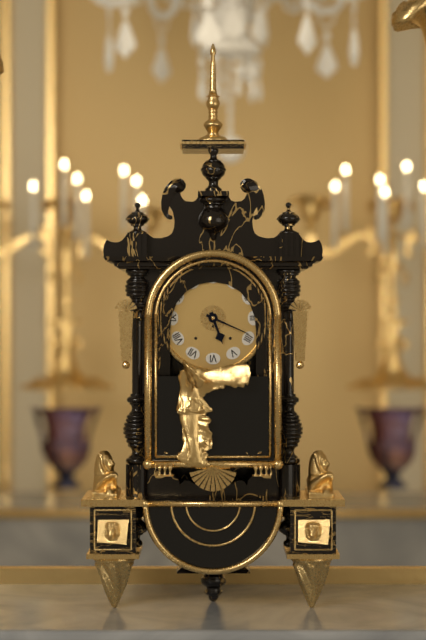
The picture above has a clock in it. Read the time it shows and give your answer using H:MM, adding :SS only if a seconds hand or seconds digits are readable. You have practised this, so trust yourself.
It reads 5:19
